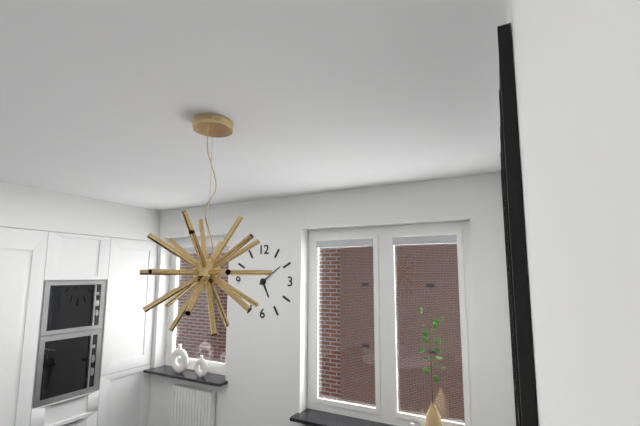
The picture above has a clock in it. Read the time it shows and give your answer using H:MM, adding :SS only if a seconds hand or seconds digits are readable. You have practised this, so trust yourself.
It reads 5:09
